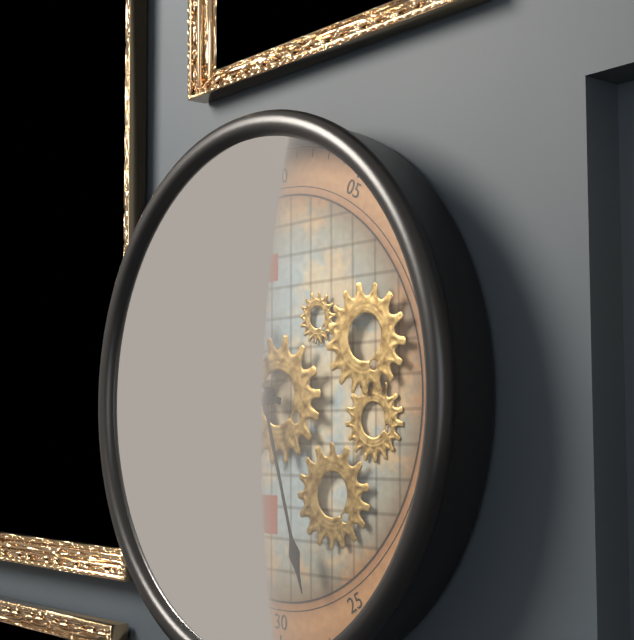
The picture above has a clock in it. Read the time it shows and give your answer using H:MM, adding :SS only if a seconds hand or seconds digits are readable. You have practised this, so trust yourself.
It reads 9:27
